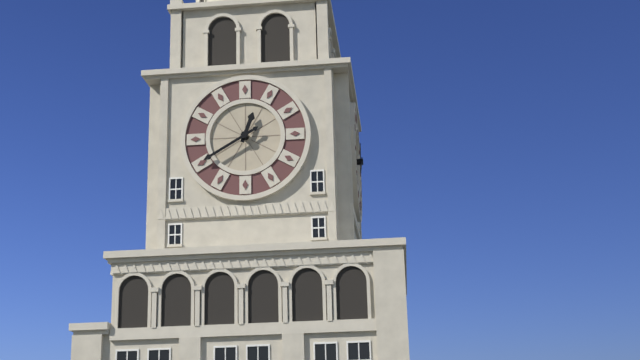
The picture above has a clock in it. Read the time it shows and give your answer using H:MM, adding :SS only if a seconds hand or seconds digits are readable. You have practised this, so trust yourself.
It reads 12:40
